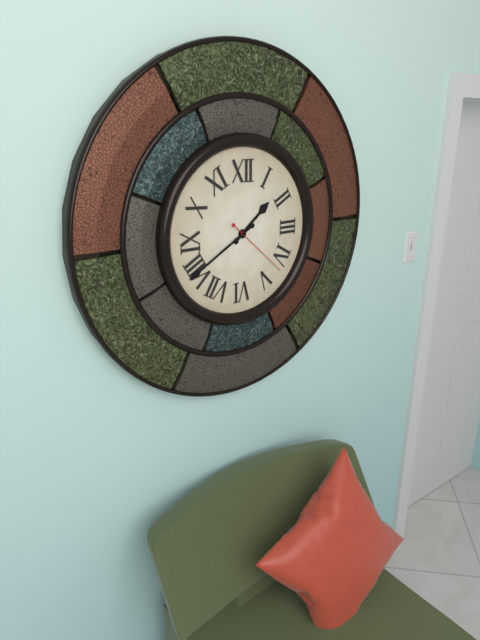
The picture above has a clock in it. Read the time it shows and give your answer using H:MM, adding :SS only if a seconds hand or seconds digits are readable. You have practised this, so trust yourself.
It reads 1:40:22
